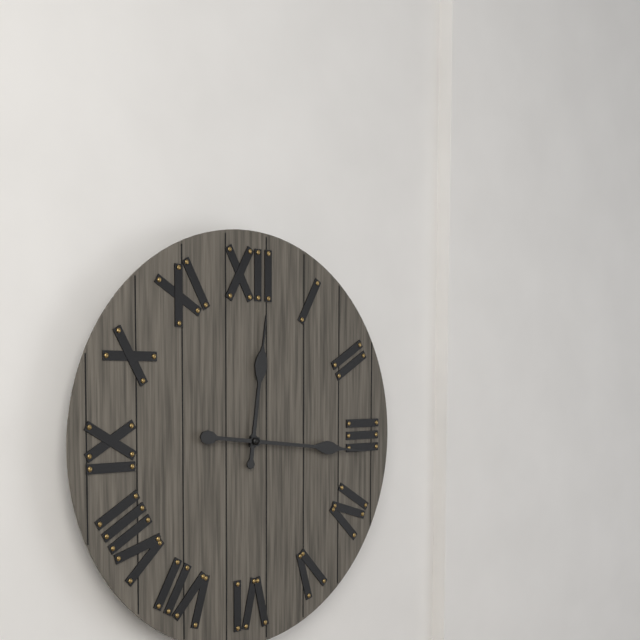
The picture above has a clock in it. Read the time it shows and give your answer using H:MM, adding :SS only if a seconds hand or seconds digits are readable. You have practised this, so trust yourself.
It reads 12:16
